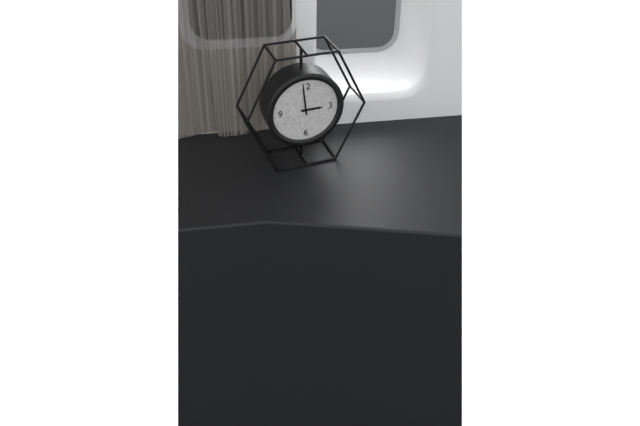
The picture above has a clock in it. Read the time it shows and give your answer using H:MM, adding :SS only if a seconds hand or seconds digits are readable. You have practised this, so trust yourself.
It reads 2:59
